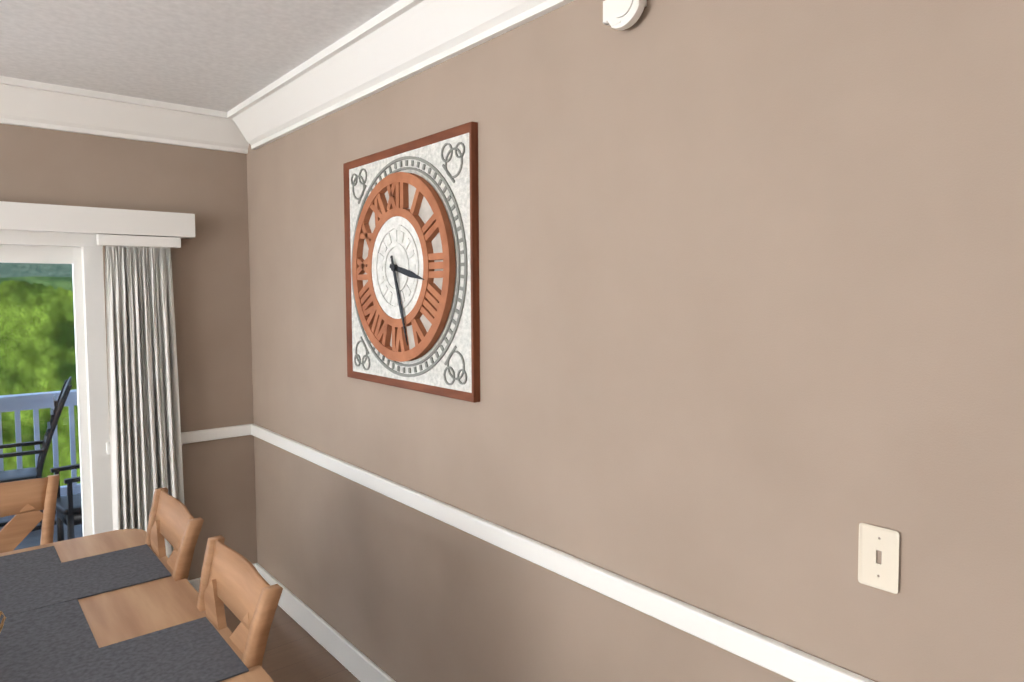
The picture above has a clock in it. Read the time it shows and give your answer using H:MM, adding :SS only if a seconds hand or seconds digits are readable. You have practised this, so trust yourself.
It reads 3:27
